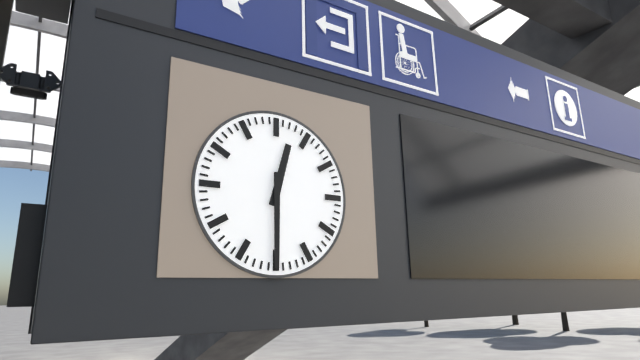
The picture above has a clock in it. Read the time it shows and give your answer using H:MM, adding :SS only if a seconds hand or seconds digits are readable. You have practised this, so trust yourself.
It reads 12:30
